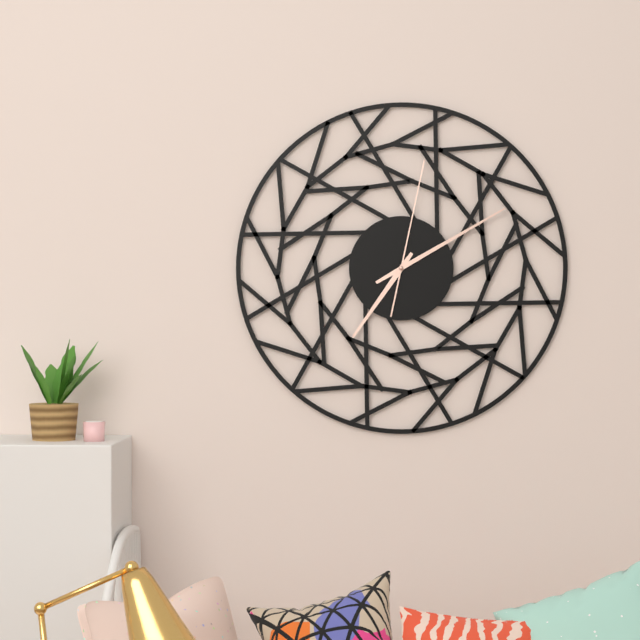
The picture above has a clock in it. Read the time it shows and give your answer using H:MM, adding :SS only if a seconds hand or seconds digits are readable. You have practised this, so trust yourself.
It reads 7:10:02
